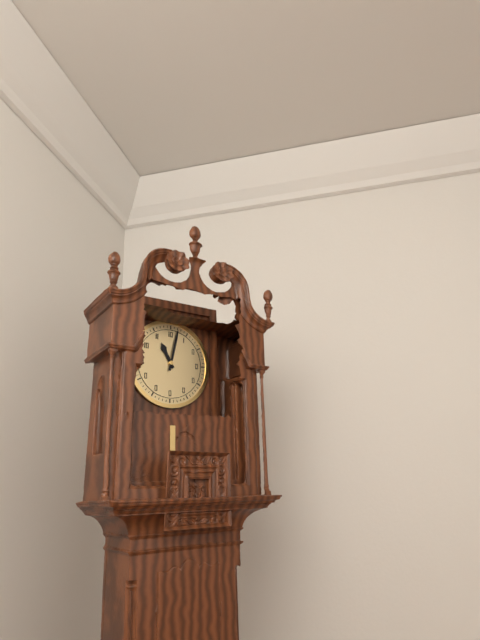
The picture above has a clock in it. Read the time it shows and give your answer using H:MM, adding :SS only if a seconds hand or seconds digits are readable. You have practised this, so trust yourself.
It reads 11:02
